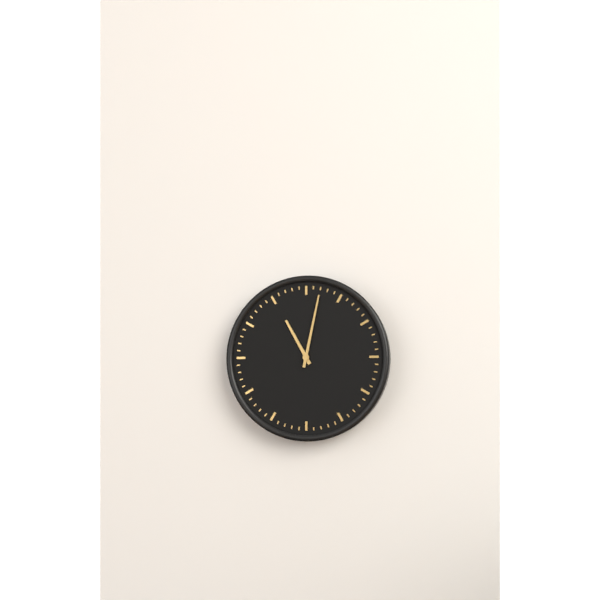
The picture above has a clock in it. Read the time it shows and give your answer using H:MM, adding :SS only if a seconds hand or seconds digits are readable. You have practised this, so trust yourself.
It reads 11:02
